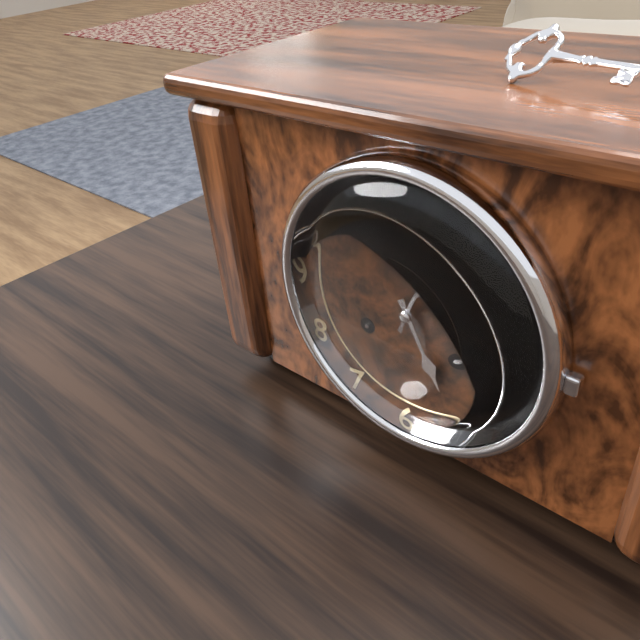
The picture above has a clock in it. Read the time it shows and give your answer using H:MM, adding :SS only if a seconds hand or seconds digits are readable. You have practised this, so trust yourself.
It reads 5:03
